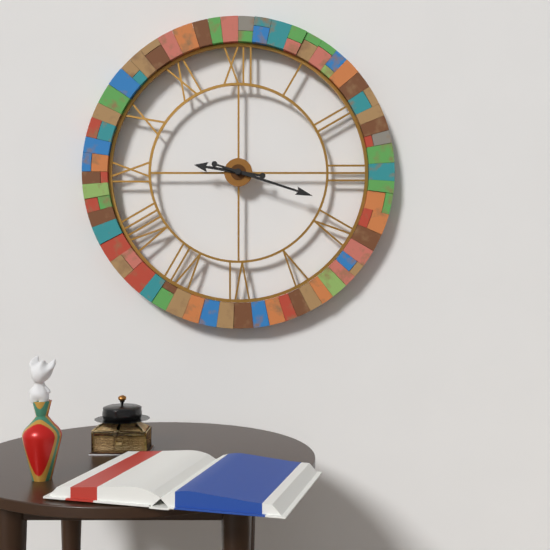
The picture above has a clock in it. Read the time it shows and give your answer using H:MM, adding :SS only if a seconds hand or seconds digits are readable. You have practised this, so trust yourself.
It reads 9:18
